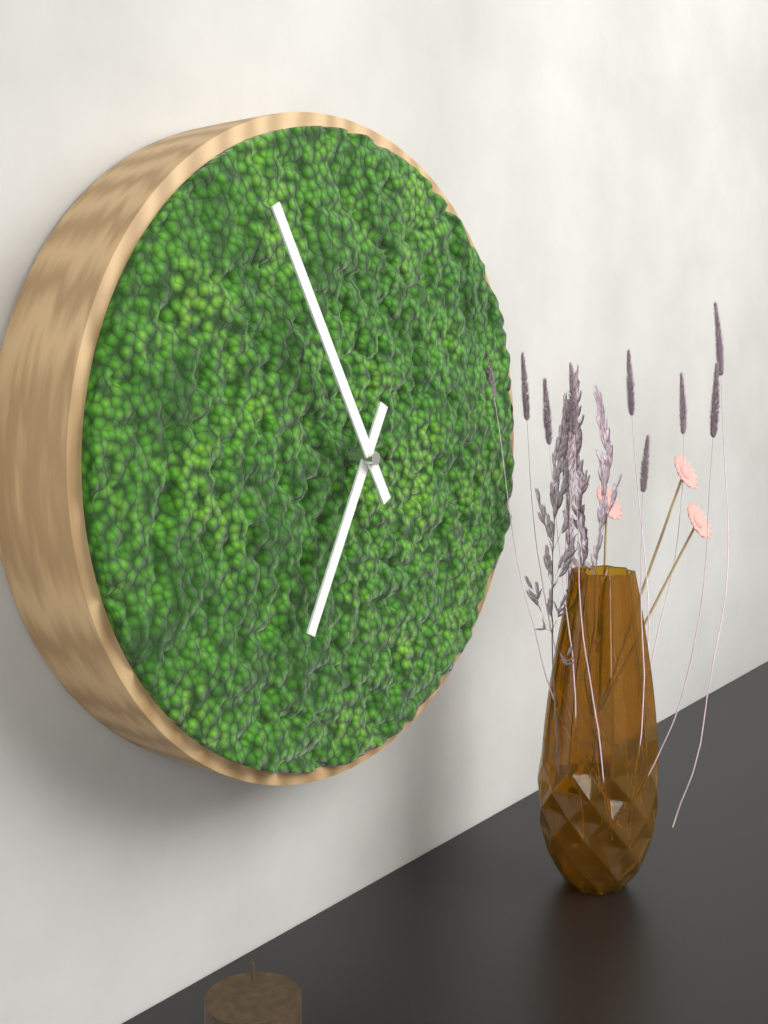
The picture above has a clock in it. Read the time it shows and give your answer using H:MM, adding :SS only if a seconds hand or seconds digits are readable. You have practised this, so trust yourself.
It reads 6:55
